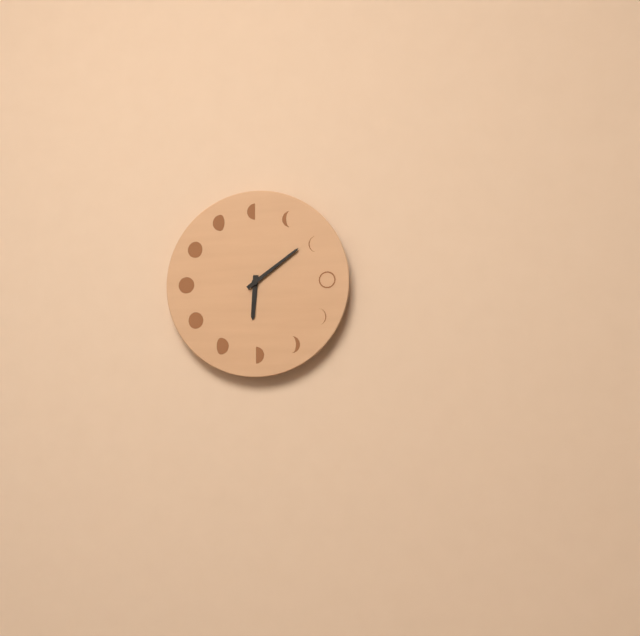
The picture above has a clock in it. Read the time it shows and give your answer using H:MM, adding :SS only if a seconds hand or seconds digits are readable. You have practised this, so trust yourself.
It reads 6:09
